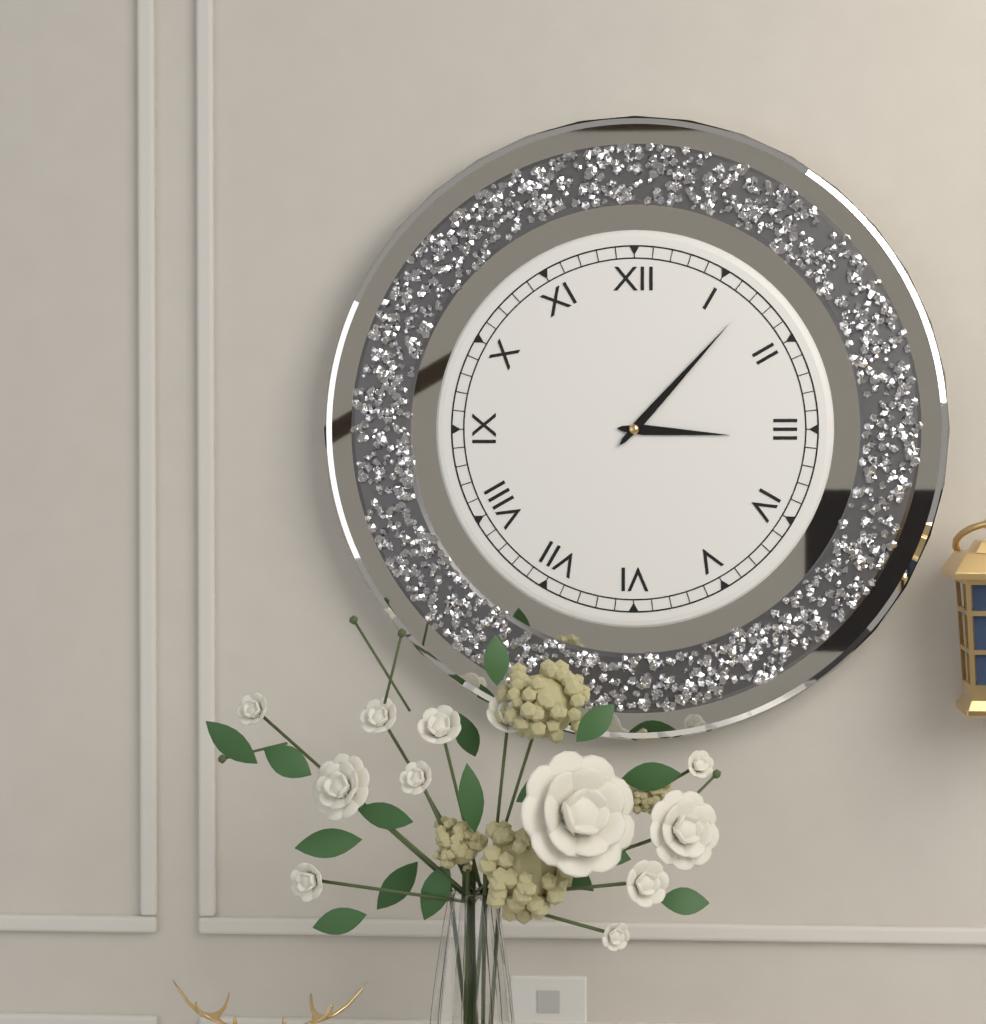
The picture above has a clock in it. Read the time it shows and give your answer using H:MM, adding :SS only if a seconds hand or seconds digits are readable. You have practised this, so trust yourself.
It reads 3:07
